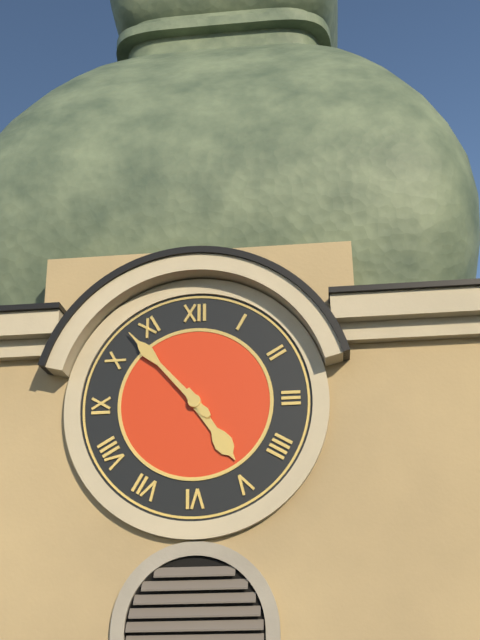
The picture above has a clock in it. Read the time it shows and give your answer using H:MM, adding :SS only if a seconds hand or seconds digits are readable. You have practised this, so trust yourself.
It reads 4:53
